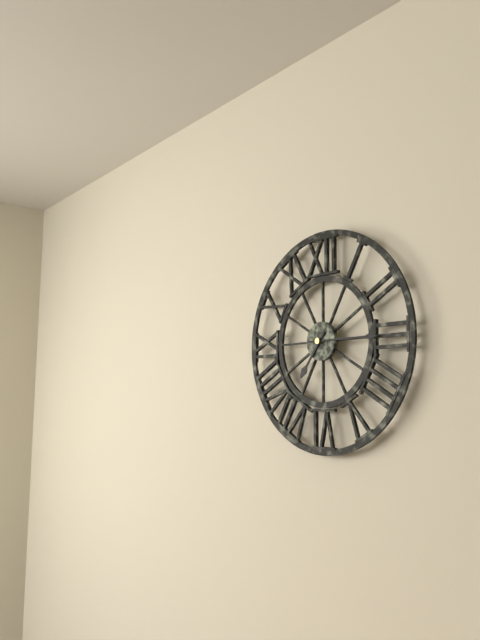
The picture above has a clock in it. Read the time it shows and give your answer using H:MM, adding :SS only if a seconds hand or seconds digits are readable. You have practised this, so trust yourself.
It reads 7:15
